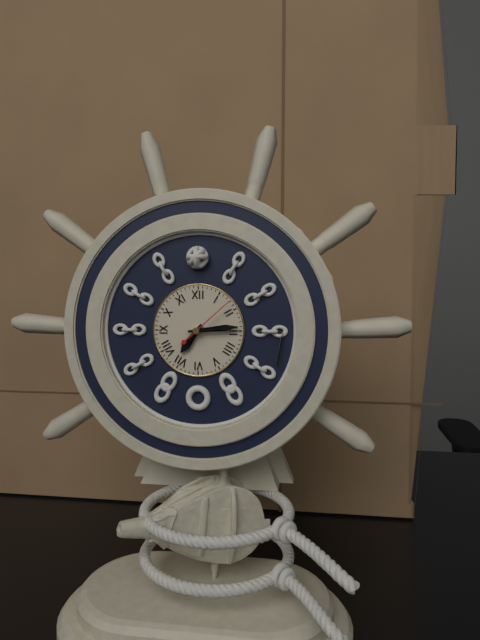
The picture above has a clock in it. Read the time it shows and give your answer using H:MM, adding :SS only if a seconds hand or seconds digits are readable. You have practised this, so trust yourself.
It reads 7:14:08
